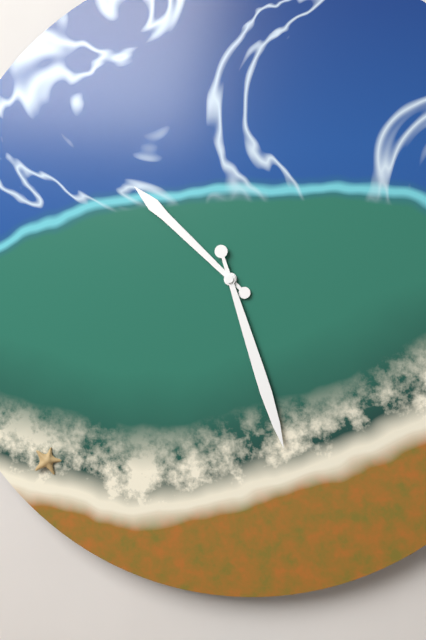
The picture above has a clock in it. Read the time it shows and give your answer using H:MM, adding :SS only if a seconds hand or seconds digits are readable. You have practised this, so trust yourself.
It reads 10:27
